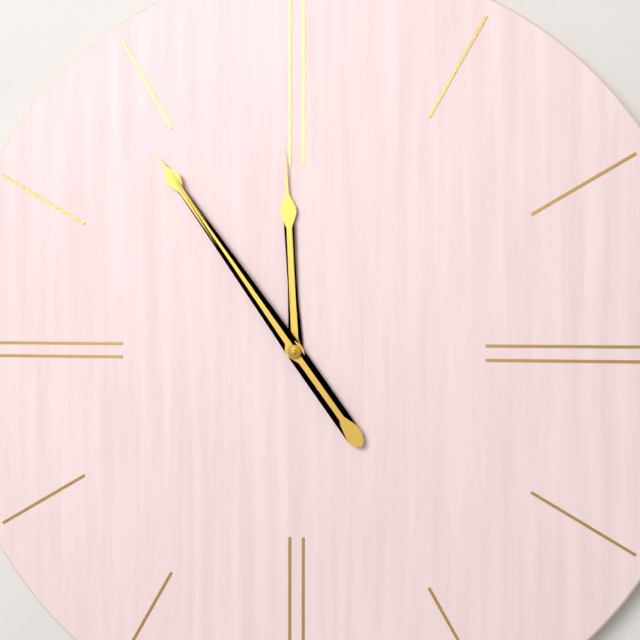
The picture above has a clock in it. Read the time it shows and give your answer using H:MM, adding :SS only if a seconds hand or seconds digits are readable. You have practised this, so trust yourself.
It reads 11:54
